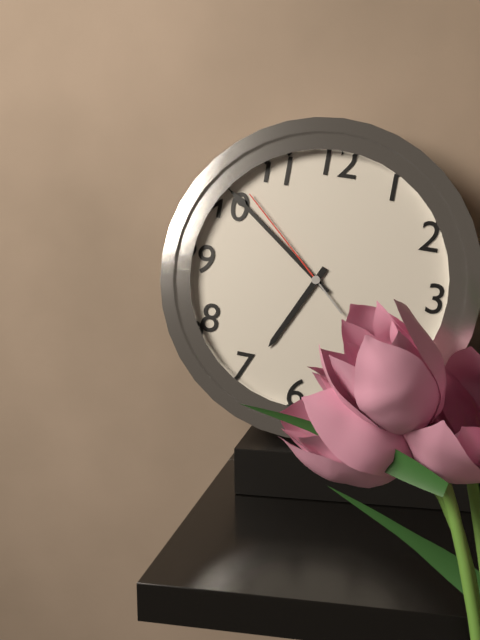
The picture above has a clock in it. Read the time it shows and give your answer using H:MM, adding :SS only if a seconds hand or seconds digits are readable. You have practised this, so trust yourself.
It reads 6:51:52
